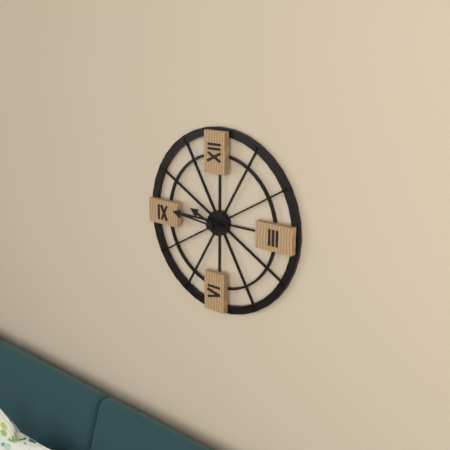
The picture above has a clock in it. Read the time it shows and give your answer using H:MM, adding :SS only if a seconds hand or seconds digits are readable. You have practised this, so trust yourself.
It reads 9:46
